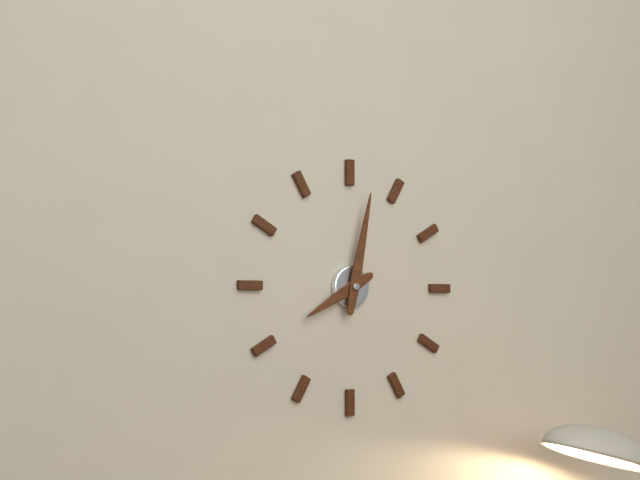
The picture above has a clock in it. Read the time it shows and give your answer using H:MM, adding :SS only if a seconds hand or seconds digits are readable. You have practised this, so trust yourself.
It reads 8:02
